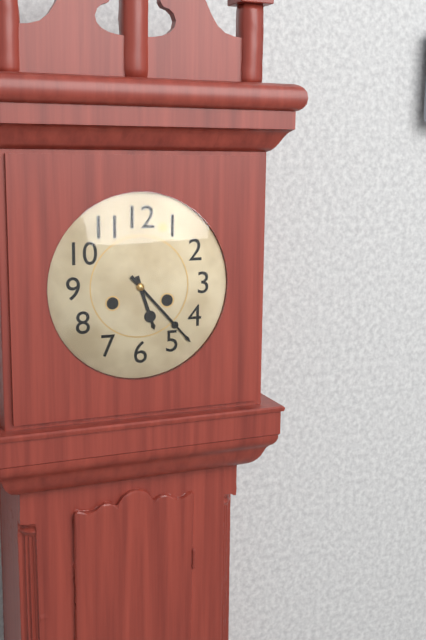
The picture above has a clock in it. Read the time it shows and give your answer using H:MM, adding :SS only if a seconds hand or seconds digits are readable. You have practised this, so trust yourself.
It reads 5:23
